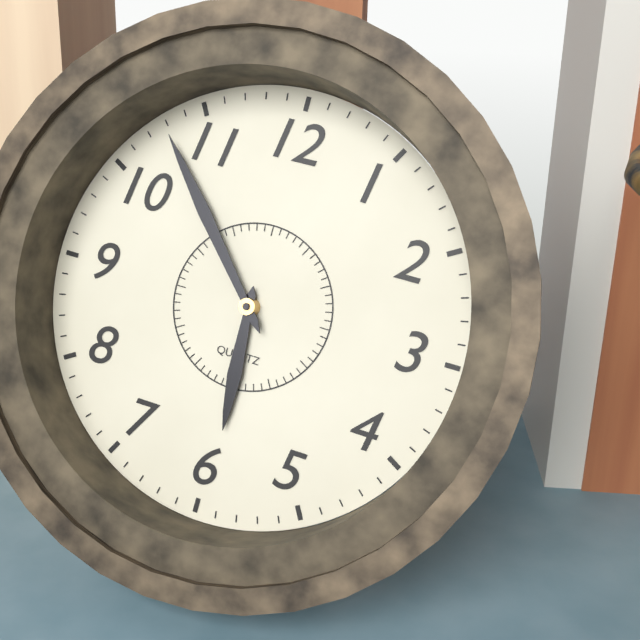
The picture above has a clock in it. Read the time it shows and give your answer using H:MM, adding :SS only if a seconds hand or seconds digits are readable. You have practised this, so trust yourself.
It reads 5:53
